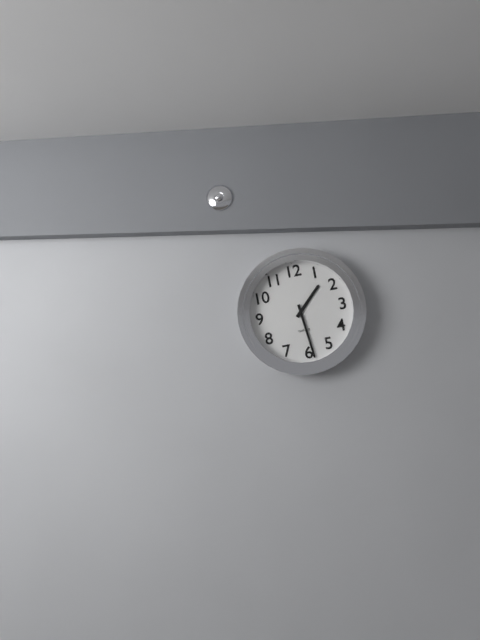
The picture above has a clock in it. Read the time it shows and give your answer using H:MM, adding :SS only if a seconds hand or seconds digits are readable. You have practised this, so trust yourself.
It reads 1:29
